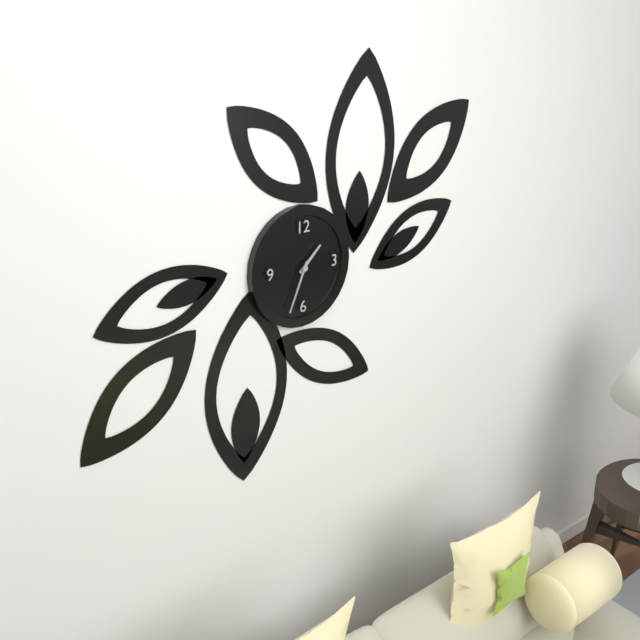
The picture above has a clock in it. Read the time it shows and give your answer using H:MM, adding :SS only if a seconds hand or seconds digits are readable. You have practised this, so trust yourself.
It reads 1:34
